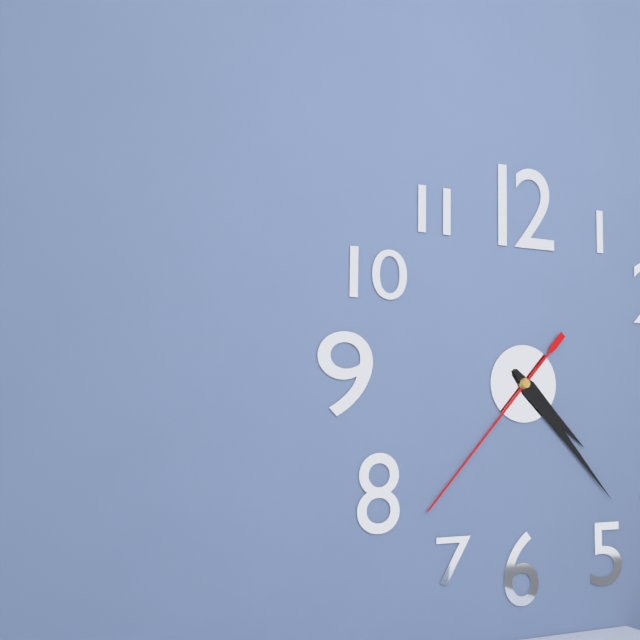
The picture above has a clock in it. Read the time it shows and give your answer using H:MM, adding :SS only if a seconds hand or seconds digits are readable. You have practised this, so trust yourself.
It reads 4:23:37
